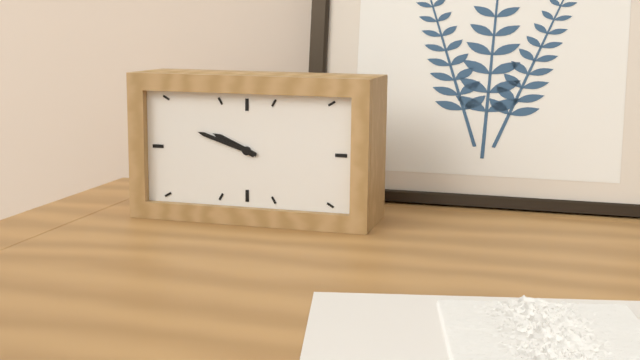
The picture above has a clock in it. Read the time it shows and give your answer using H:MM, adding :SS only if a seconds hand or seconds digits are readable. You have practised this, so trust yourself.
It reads 9:48
